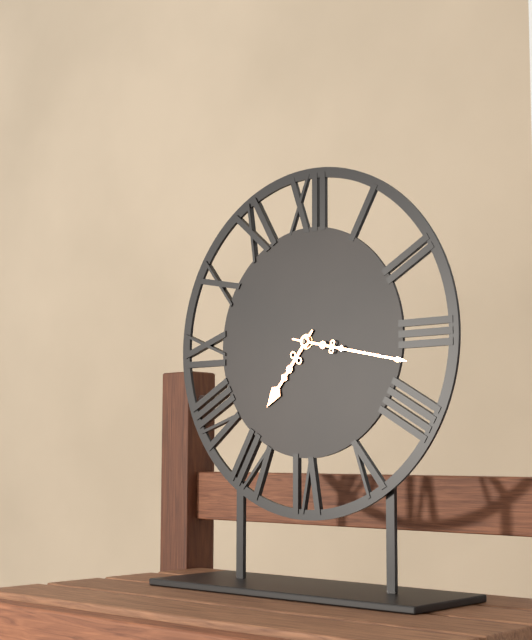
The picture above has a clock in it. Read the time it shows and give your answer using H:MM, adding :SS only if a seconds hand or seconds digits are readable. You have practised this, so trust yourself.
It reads 7:17
